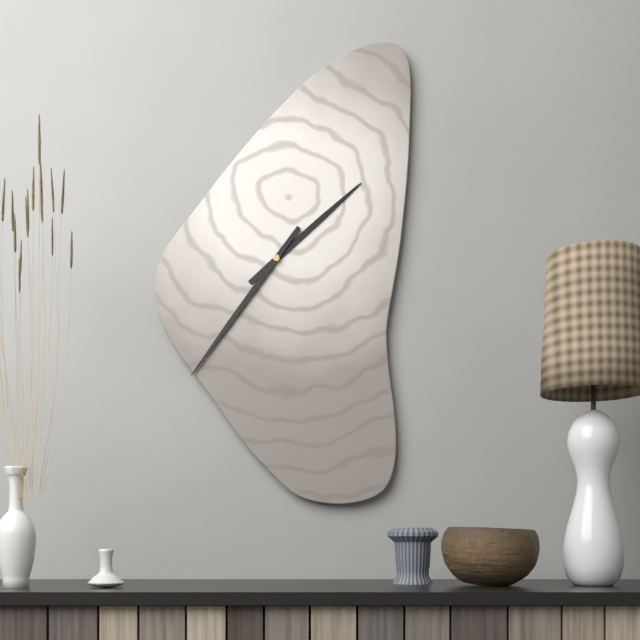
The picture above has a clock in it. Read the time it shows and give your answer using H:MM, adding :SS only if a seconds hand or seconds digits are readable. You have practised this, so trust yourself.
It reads 1:36
